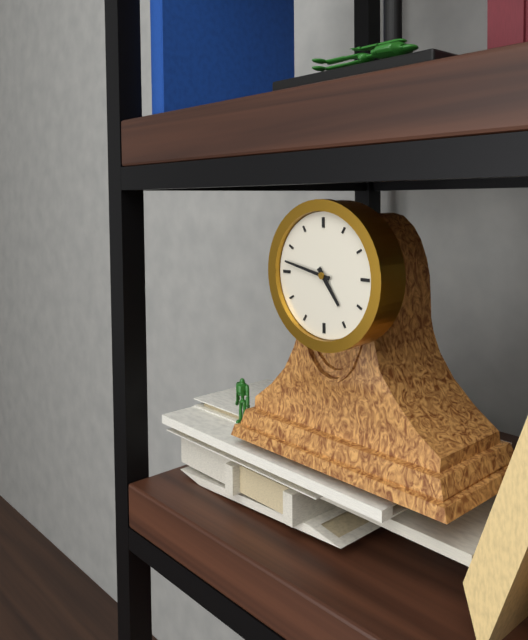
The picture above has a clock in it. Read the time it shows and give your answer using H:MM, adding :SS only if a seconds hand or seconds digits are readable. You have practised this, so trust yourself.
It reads 4:47
